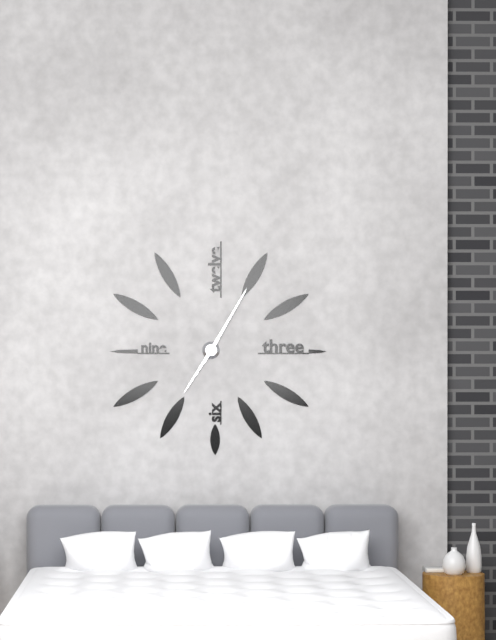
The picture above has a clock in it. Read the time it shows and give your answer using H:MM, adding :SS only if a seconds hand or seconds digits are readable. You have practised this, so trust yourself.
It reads 7:05
